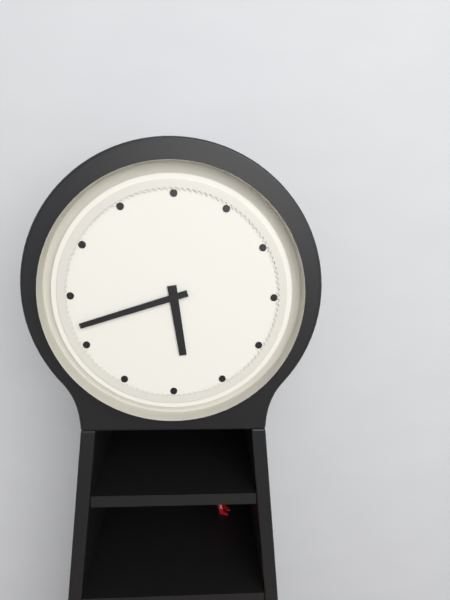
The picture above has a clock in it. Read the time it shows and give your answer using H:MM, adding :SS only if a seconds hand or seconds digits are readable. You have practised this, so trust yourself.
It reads 5:42
